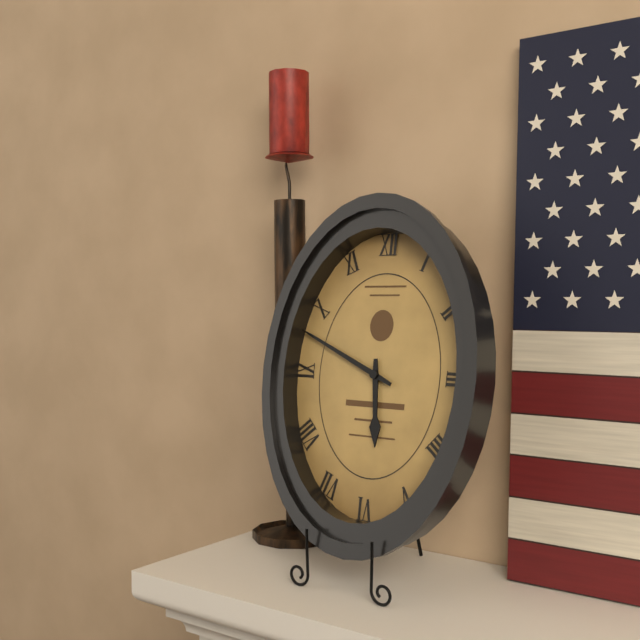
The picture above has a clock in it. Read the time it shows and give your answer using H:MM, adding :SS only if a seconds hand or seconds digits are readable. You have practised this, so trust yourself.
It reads 5:49
